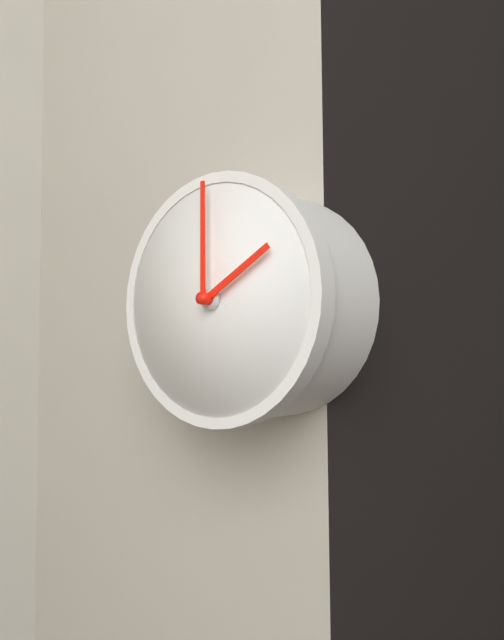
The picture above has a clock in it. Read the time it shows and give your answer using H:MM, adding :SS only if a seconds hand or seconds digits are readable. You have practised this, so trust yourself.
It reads 2:00
